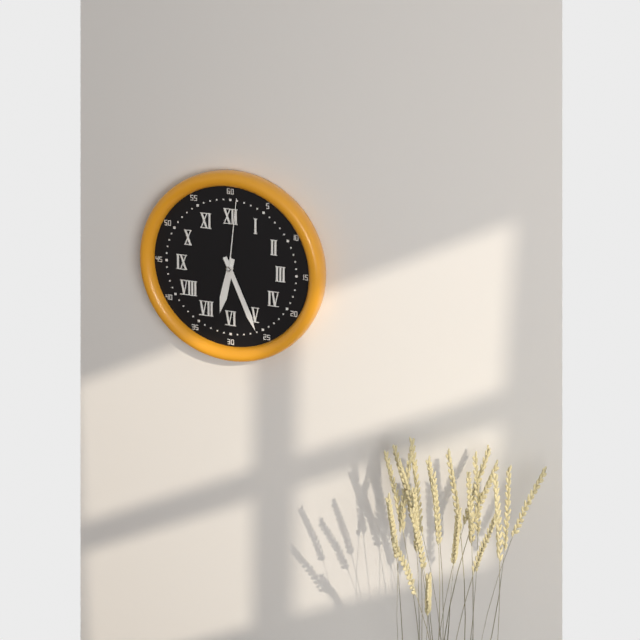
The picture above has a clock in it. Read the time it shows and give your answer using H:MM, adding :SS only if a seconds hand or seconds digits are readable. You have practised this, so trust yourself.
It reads 6:26:01
